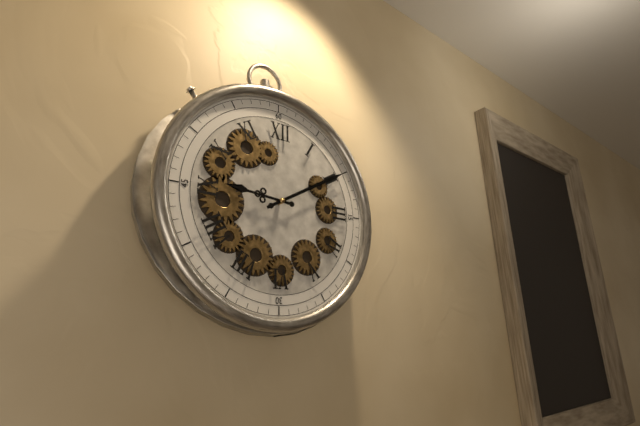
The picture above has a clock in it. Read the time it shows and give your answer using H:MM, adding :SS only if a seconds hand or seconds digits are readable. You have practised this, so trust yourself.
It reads 9:10
